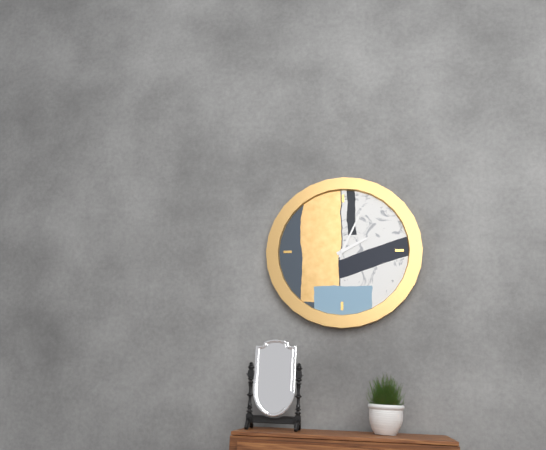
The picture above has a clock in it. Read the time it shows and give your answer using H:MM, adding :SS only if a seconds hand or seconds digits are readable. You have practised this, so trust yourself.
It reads 2:04
